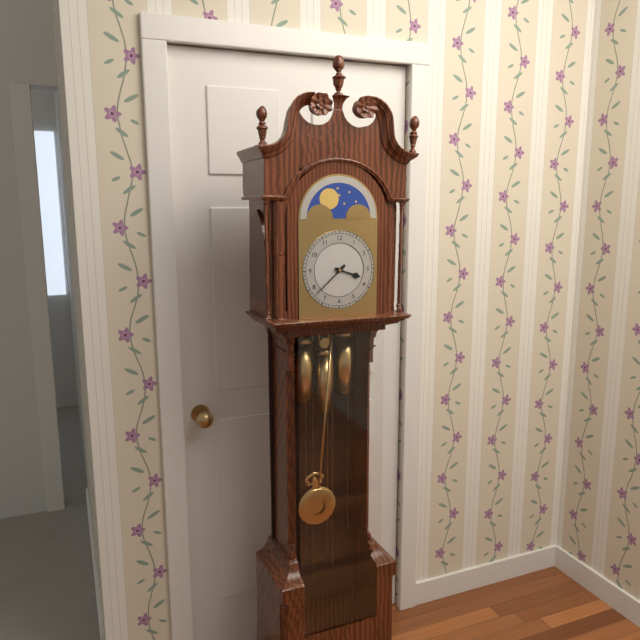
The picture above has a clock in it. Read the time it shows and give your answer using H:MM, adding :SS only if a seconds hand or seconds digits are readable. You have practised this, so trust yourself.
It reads 3:38
